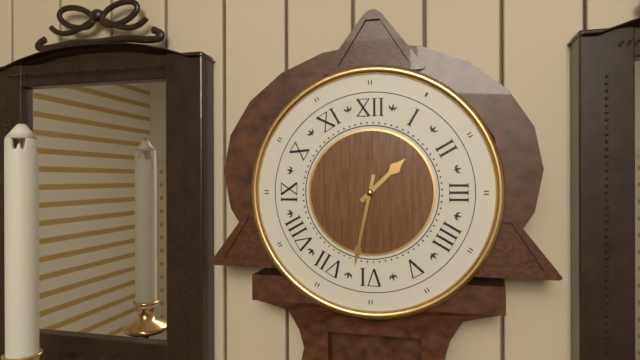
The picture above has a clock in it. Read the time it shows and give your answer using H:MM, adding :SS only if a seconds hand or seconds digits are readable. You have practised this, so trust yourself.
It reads 1:32
